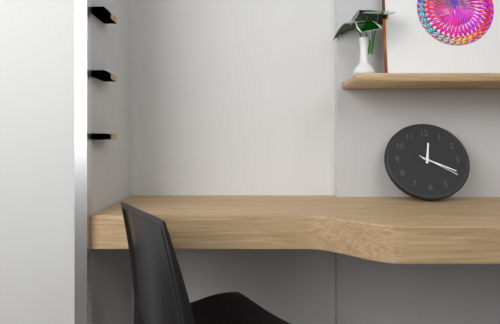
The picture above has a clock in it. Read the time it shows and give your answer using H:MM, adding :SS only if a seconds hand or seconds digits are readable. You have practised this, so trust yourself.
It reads 12:19
